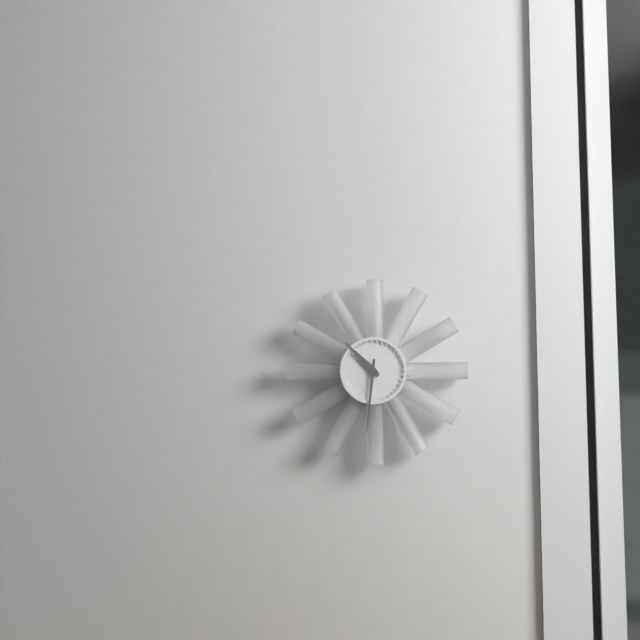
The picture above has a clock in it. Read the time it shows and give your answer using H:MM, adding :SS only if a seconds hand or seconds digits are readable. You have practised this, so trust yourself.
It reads 10:31
